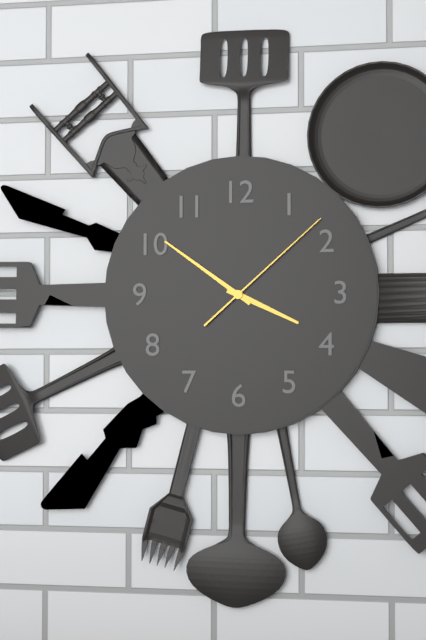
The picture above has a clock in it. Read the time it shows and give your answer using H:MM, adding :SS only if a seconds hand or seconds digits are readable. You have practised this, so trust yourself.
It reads 3:51:08
